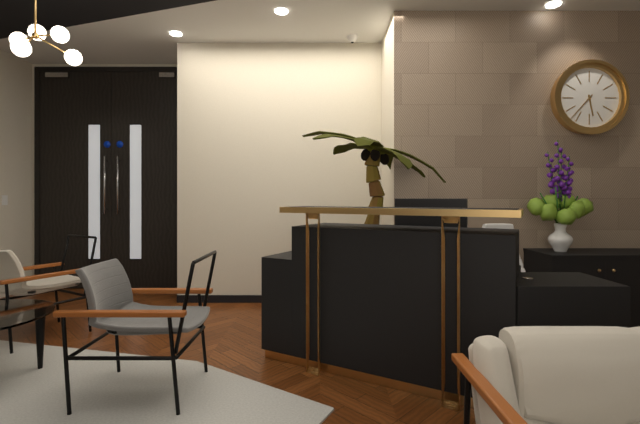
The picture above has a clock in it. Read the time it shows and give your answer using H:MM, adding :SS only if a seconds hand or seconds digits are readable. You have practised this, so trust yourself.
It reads 5:37
